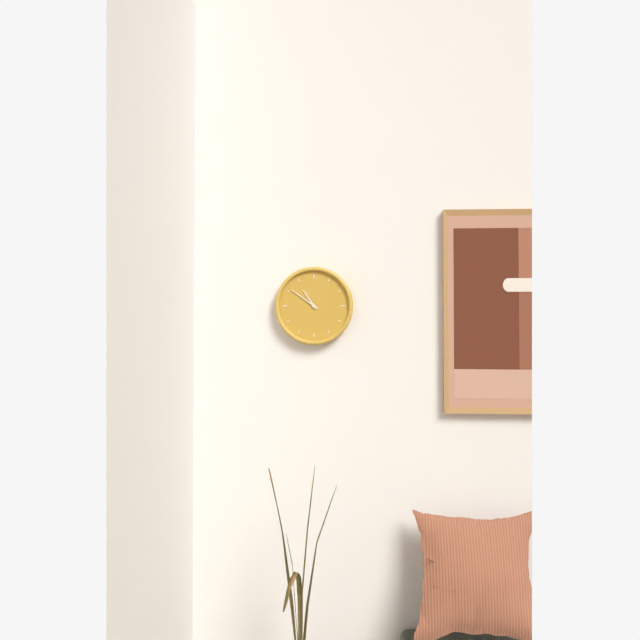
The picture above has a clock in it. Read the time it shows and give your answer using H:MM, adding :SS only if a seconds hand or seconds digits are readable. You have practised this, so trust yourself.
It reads 10:51
